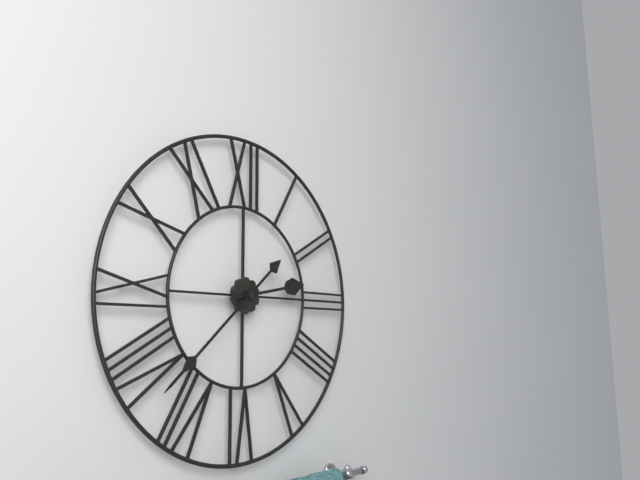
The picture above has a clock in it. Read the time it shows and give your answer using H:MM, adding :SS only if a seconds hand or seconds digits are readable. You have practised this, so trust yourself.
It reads 2:38
